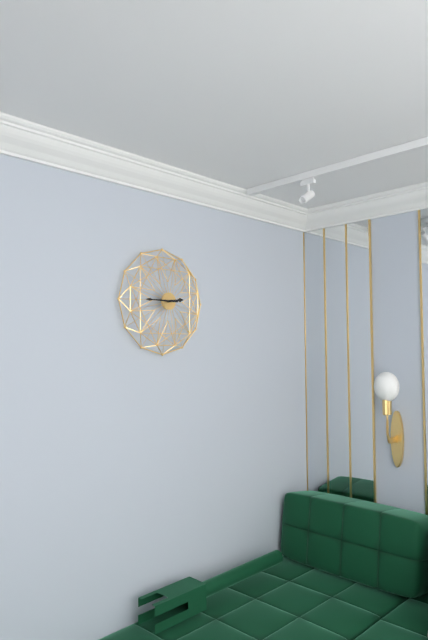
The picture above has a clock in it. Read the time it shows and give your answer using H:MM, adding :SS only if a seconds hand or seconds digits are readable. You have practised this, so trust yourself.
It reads 2:45
